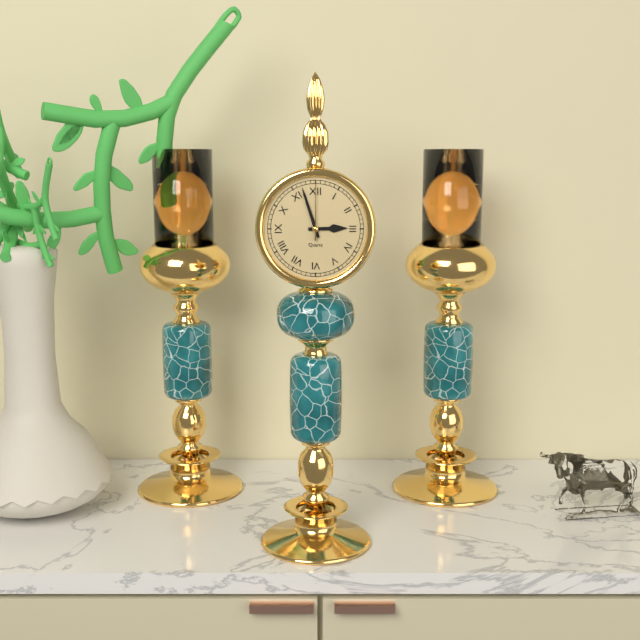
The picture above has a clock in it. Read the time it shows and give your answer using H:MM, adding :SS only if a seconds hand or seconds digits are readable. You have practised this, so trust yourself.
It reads 2:57:00
